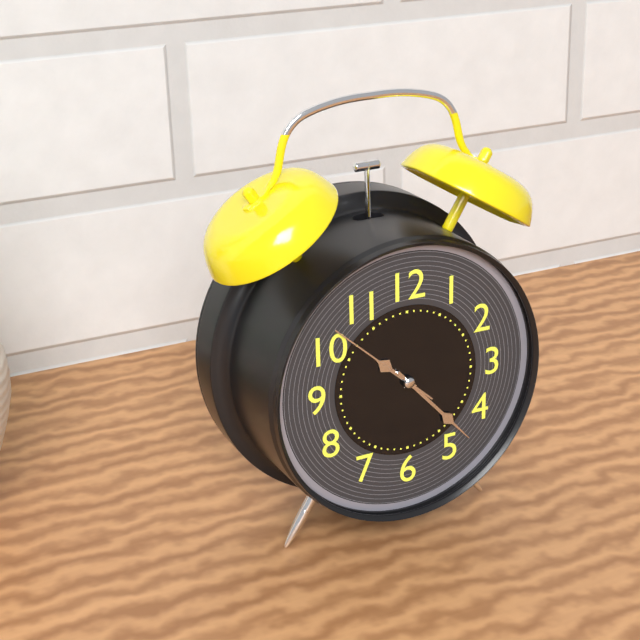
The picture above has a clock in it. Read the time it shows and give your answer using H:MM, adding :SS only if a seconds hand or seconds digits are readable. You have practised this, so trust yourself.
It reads 10:23:52
